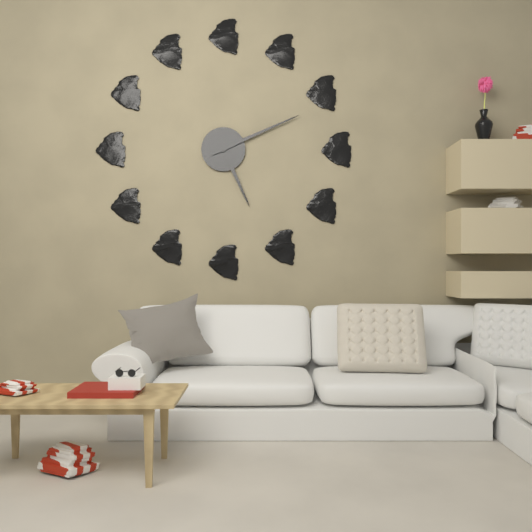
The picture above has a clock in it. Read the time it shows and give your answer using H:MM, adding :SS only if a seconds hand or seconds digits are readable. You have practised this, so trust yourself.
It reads 5:11
